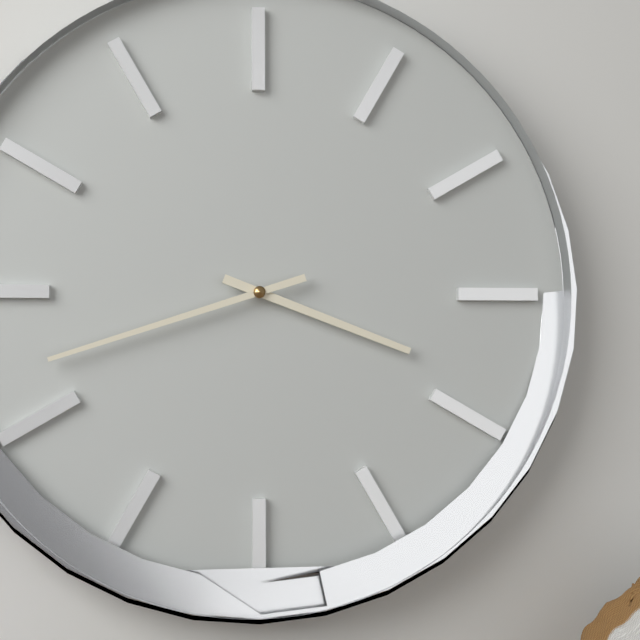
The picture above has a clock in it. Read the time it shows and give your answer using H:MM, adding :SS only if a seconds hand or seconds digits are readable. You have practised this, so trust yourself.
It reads 3:42
